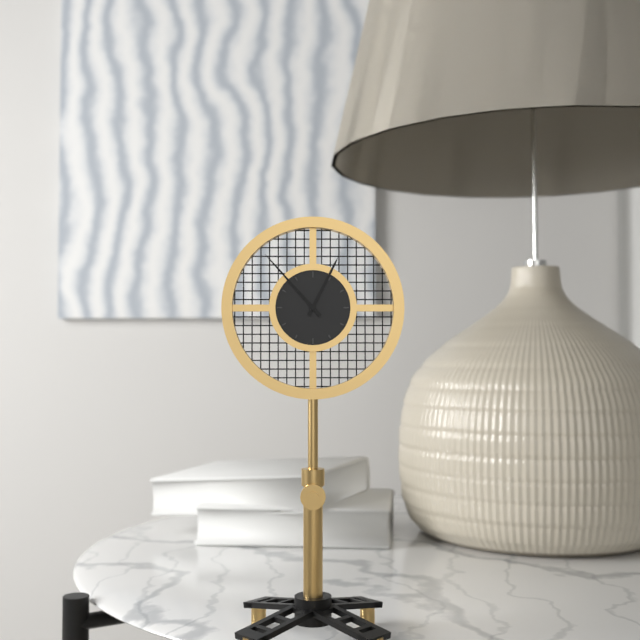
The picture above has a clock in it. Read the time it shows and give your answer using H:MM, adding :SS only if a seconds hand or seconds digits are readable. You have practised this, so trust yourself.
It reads 12:53
